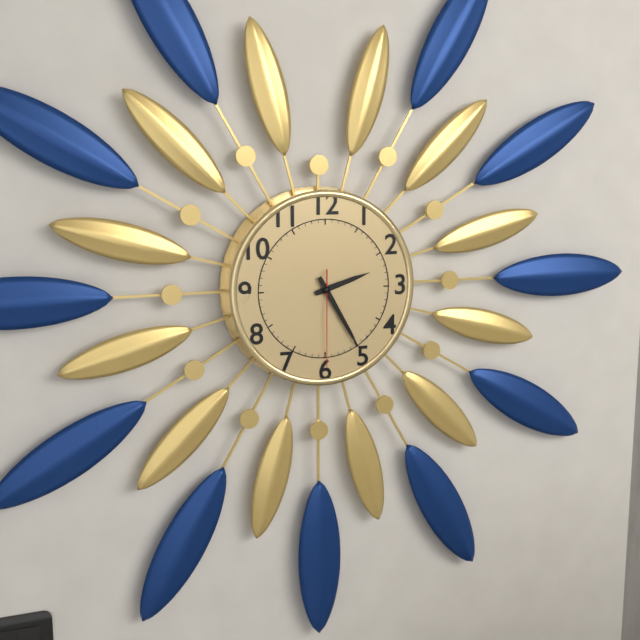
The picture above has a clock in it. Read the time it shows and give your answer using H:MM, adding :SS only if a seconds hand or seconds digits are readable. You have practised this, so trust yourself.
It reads 2:25:30
